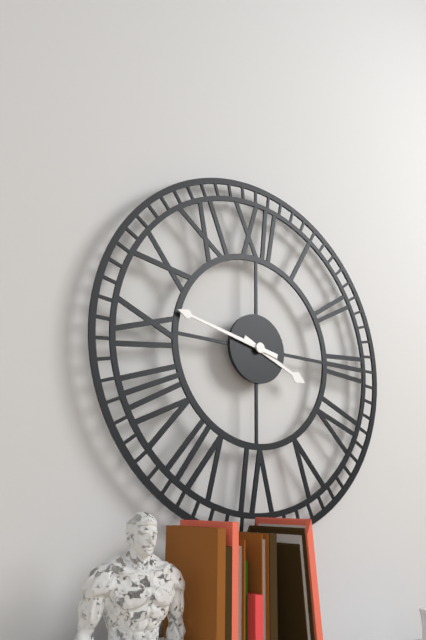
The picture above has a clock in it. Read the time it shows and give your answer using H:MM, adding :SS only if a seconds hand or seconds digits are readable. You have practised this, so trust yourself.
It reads 3:47
